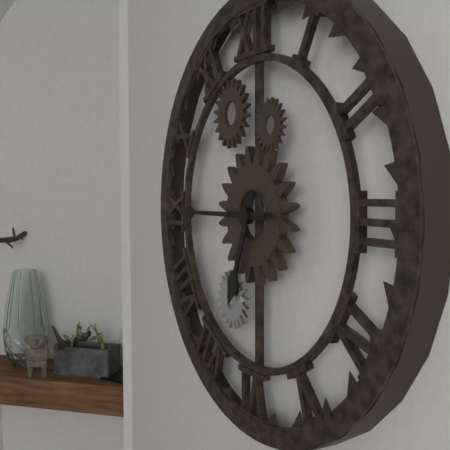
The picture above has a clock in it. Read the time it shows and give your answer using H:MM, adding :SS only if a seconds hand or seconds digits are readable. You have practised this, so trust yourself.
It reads 6:45
